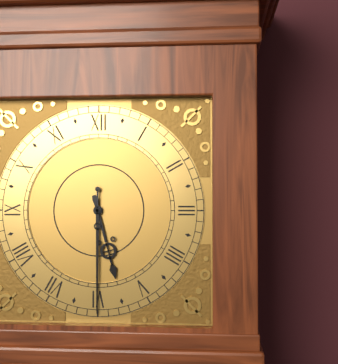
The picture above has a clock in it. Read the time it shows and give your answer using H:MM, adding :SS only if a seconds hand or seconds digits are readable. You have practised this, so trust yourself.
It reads 5:30
